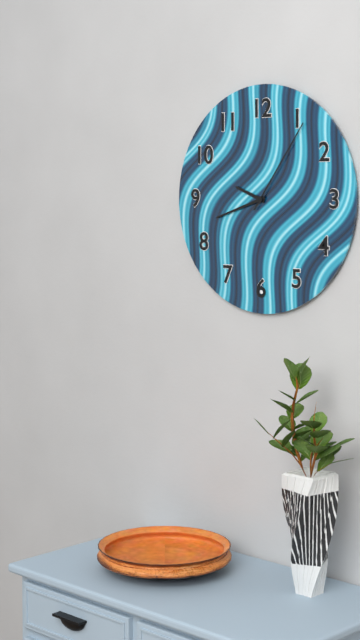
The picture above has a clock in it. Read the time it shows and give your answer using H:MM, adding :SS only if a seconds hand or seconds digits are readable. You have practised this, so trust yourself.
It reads 9:42:06
